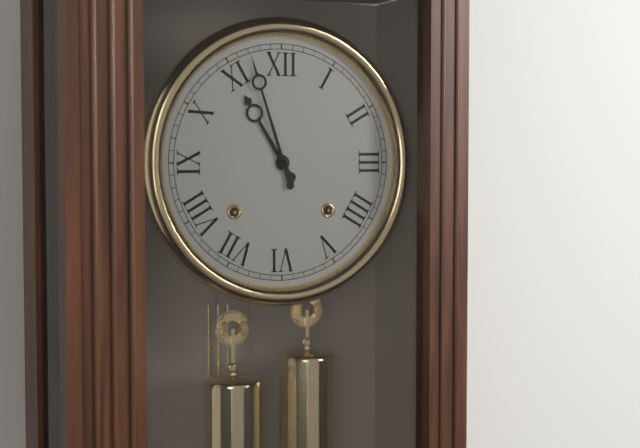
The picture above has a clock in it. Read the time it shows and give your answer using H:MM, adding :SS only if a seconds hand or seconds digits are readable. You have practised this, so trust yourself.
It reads 10:57
